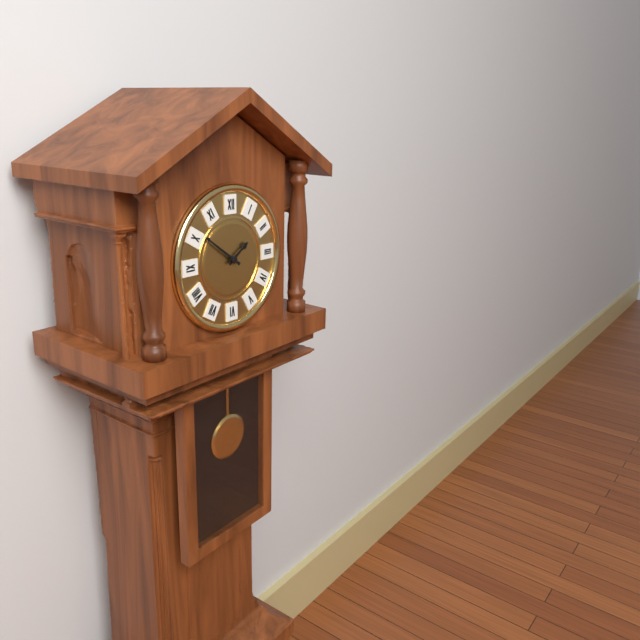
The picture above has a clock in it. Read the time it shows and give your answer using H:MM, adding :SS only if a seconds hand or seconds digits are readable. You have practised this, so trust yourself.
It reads 1:51
